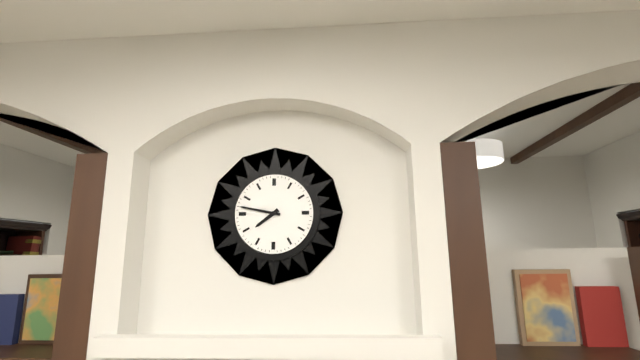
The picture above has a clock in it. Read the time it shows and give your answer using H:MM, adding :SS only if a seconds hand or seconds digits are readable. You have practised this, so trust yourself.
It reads 7:47
